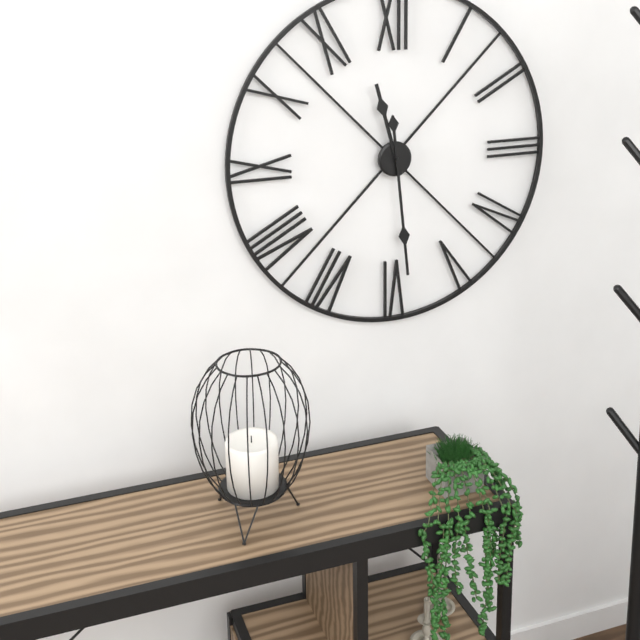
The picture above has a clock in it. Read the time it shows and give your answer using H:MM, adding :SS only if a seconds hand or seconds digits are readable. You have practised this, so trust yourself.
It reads 11:29
